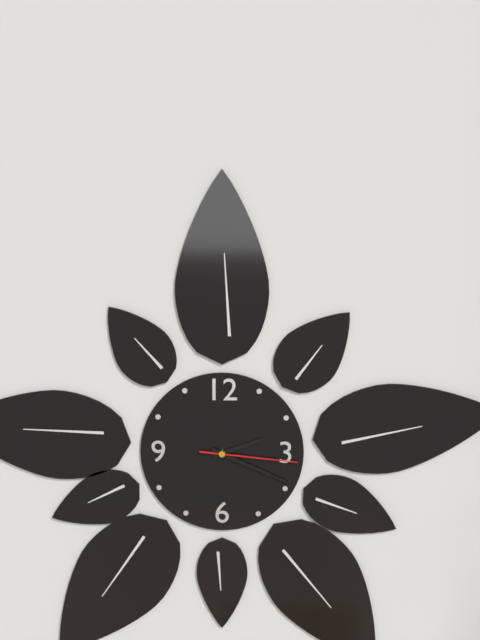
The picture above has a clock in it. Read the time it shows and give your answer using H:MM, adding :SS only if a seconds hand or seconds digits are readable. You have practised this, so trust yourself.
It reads 2:19:16
